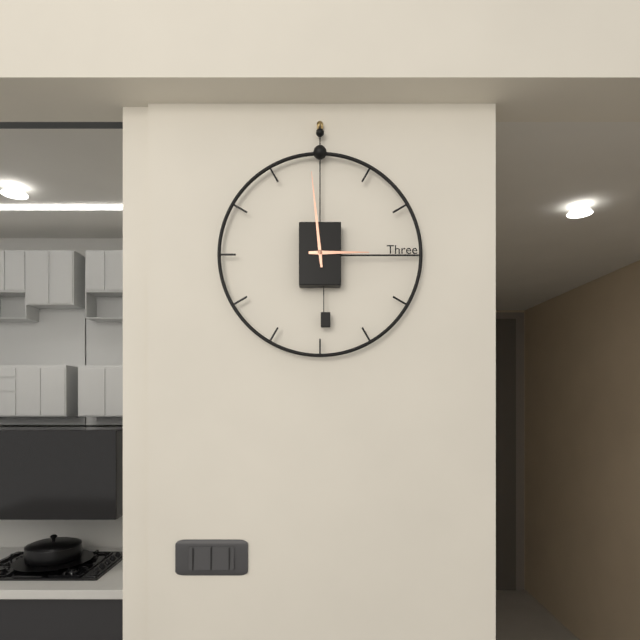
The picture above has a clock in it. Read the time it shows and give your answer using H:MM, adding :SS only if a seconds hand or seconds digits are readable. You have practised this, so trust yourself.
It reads 2:59
